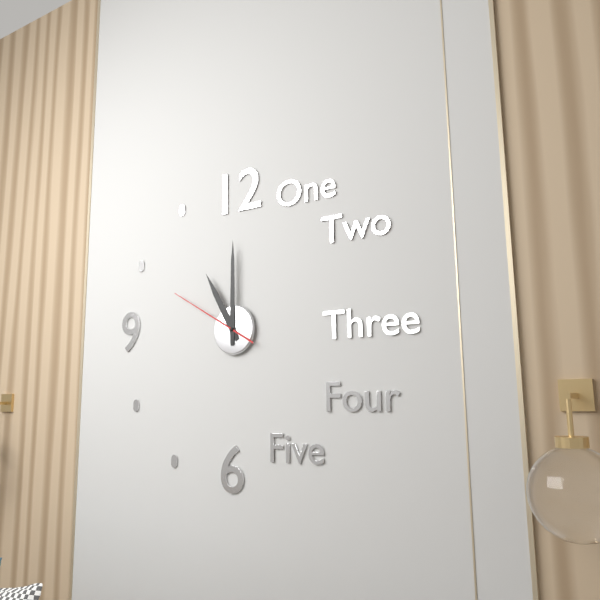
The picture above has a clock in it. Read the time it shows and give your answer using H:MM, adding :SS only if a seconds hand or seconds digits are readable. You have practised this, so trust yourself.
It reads 11:00:50
